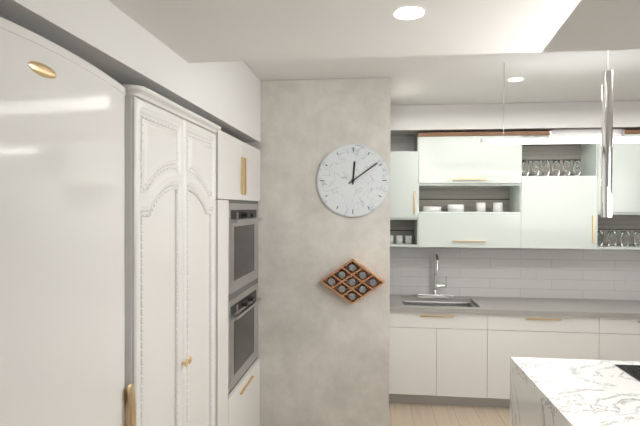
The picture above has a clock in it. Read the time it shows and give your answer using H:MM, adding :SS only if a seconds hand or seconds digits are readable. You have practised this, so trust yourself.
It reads 12:09
